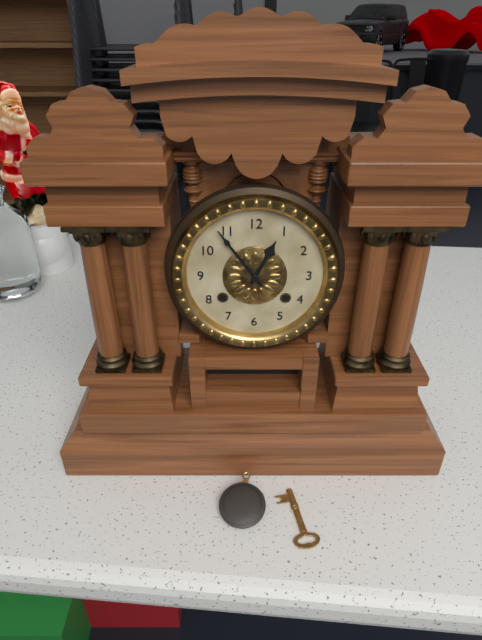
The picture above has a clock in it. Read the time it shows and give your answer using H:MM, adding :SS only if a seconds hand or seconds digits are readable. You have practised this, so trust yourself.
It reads 12:54
